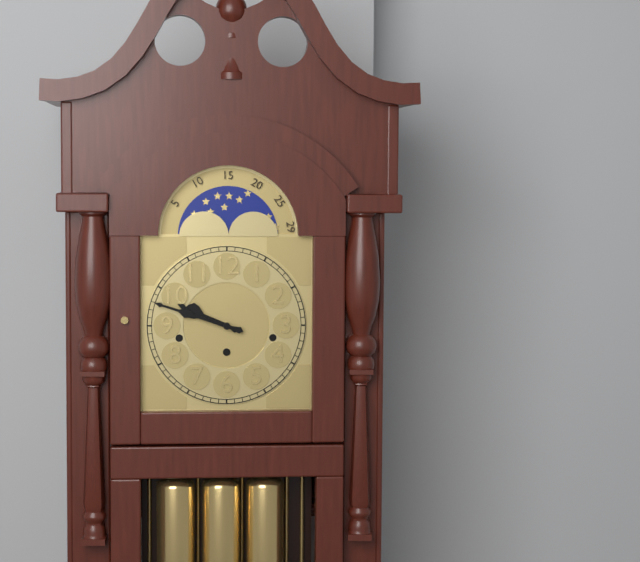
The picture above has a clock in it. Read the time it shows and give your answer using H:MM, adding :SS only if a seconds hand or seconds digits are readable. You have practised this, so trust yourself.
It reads 9:48
